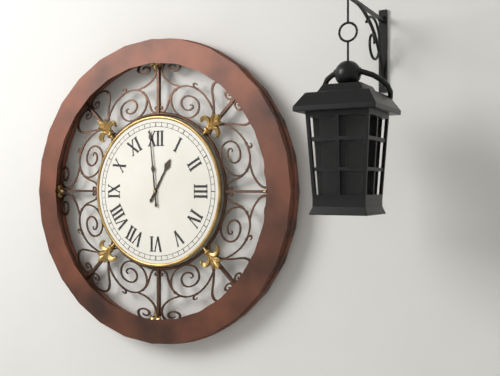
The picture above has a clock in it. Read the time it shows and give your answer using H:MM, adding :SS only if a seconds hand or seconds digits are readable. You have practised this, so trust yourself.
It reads 12:59
